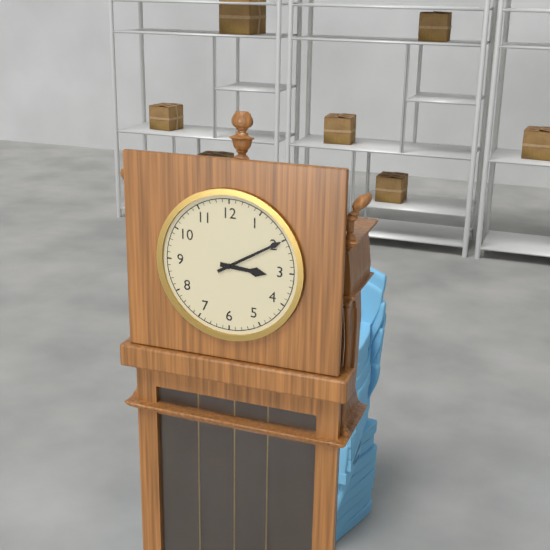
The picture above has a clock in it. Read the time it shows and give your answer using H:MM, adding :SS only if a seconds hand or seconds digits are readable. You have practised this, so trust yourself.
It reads 3:10
